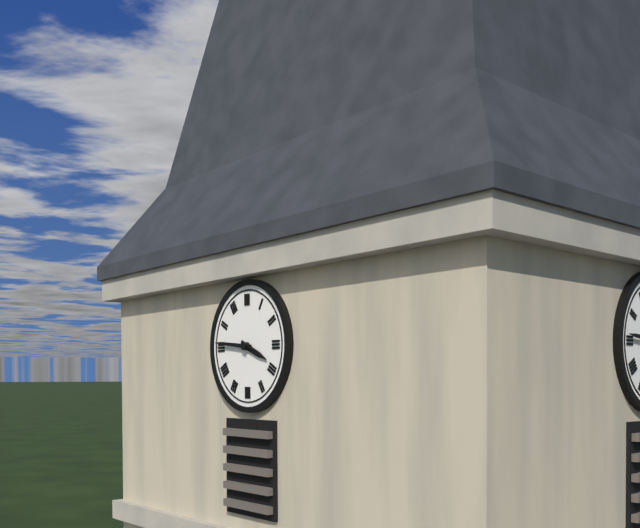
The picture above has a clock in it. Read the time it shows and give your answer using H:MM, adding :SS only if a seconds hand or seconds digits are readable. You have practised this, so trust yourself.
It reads 3:46
